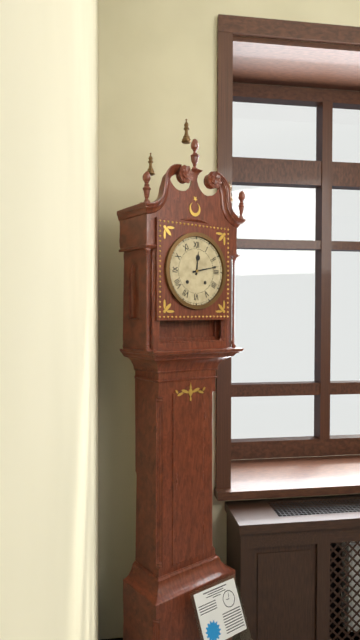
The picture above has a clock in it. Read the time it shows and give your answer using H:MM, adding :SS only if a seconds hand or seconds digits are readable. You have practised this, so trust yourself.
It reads 12:13
